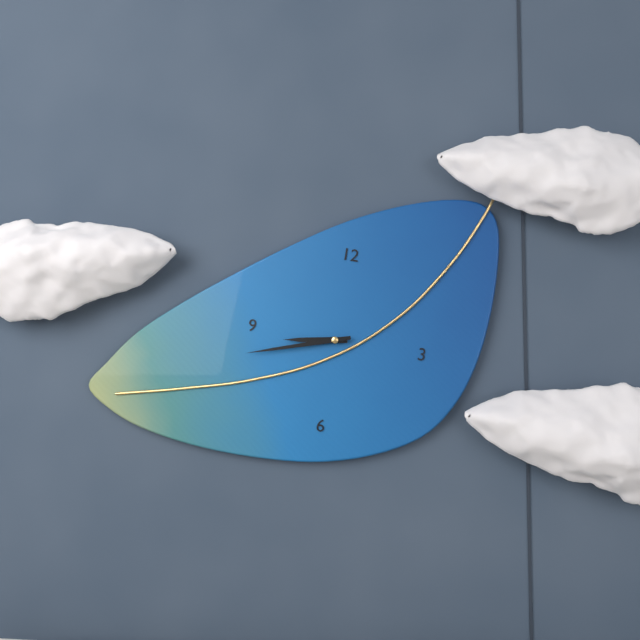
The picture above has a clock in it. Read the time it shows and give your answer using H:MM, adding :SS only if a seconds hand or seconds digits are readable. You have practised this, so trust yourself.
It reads 8:42
